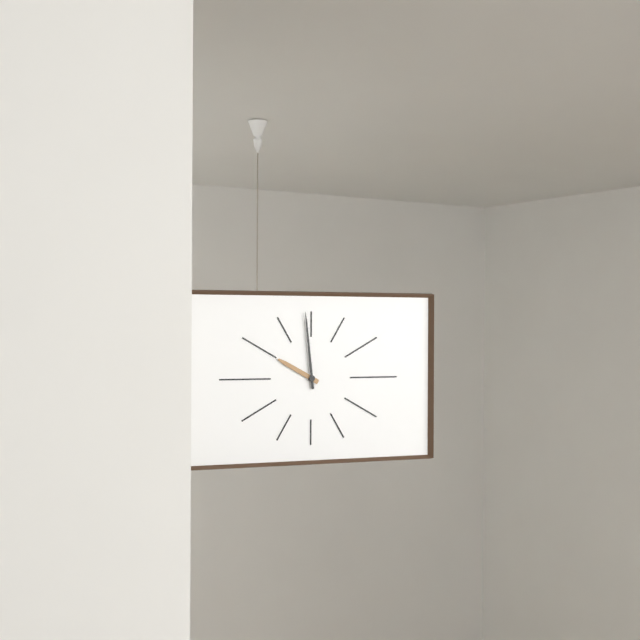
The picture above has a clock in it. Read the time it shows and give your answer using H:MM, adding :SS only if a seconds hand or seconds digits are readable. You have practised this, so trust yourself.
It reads 9:59
